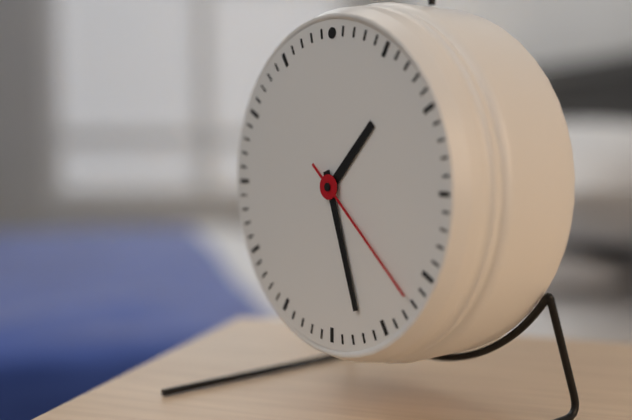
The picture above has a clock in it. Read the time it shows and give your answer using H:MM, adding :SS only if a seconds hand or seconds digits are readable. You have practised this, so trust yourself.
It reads 1:27:22
